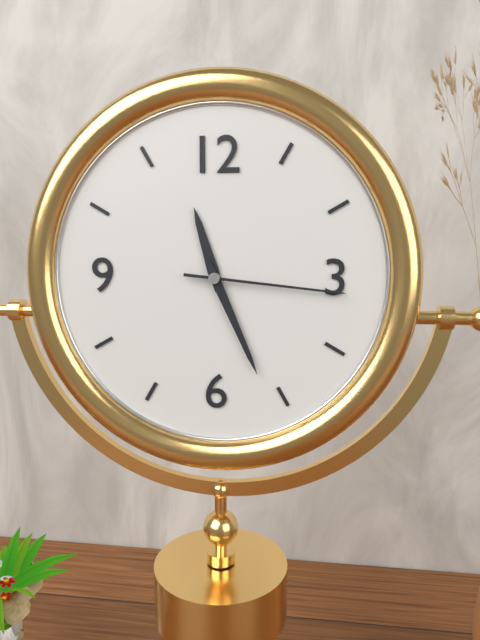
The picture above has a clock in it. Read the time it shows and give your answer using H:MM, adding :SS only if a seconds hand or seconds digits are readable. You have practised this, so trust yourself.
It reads 11:26:16
